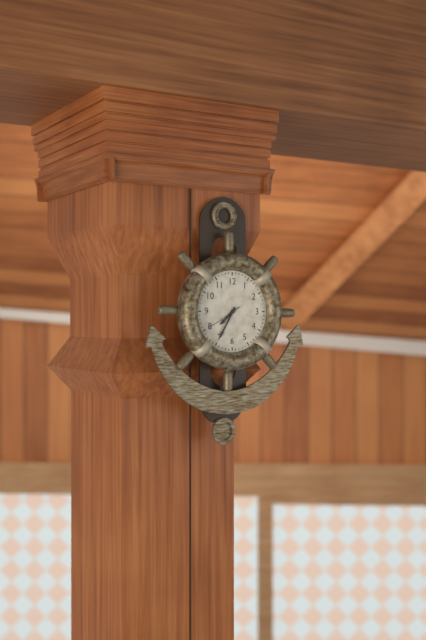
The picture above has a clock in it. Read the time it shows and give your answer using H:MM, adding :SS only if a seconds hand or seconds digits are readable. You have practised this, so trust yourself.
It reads 7:35
